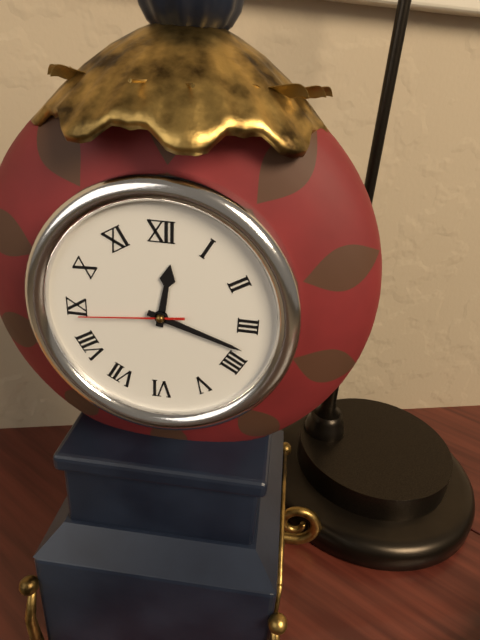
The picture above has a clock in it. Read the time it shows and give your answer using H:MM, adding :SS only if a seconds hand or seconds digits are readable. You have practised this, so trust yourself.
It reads 12:18:44
